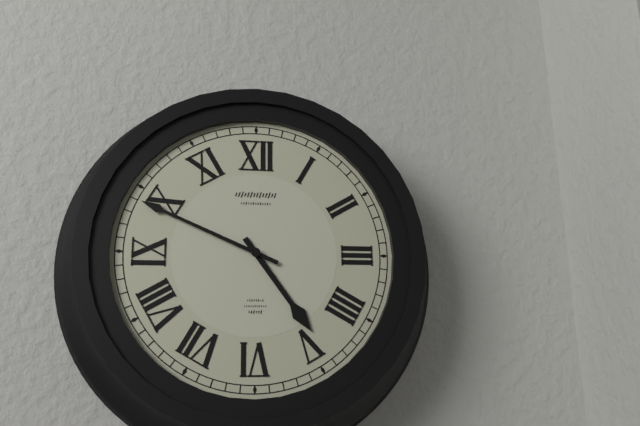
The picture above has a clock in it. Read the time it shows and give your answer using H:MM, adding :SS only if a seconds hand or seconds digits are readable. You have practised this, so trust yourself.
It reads 4:49
